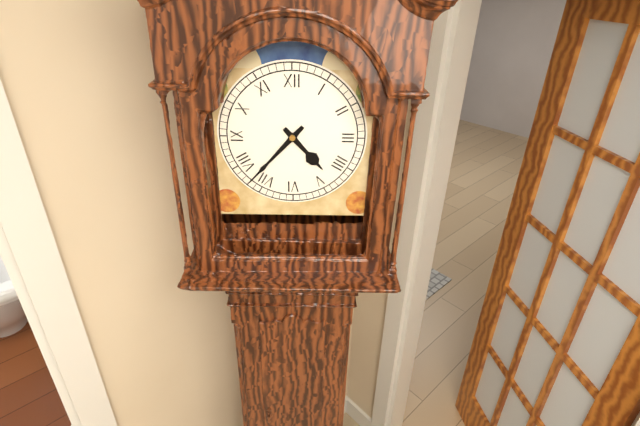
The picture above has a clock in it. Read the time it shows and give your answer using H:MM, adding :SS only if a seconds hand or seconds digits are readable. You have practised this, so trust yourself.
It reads 4:37
